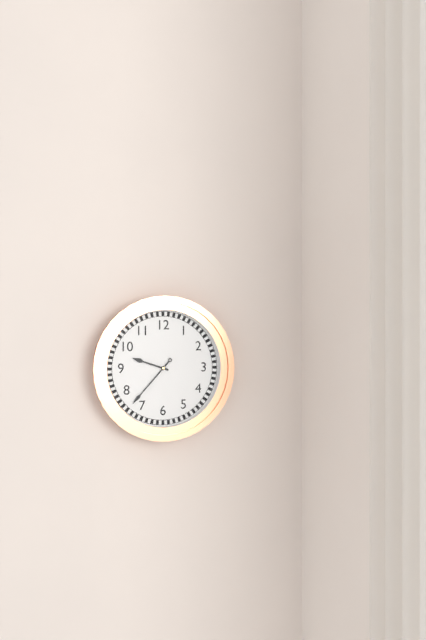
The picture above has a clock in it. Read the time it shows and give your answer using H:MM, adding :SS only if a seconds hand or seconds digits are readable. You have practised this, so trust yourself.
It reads 9:37
